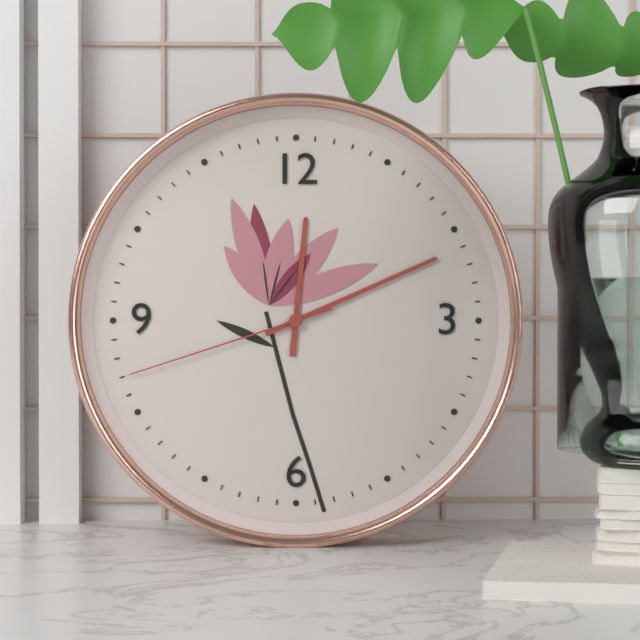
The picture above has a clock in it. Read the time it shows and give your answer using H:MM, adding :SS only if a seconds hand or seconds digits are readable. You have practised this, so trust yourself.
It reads 12:11:42
